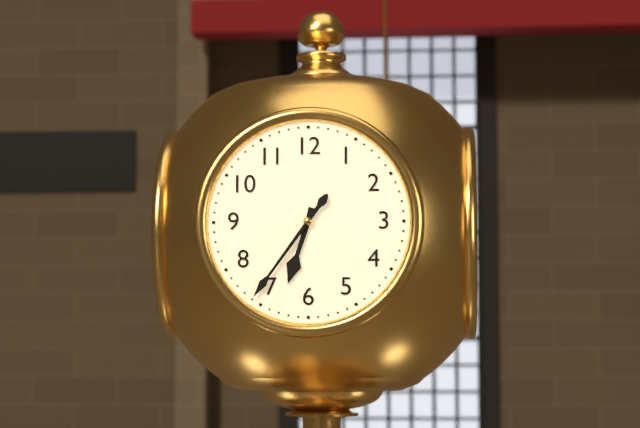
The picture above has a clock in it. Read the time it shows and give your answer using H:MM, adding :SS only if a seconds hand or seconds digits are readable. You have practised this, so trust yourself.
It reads 6:36
